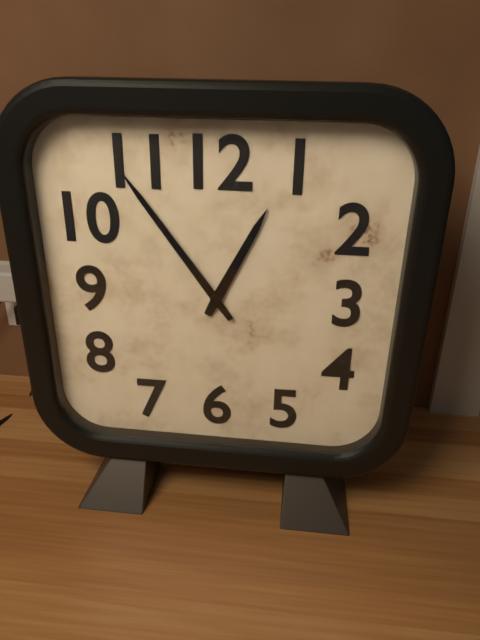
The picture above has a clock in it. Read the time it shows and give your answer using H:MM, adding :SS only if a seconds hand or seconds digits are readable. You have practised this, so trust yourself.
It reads 12:54
